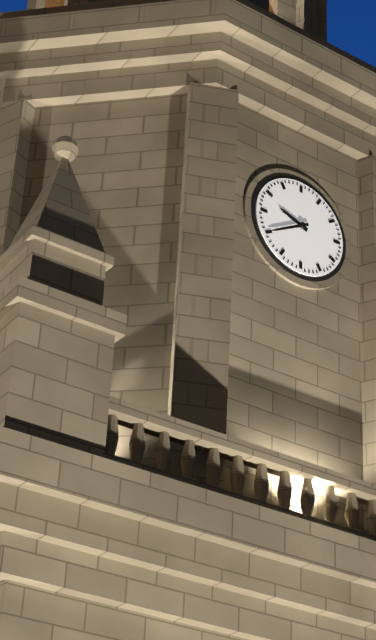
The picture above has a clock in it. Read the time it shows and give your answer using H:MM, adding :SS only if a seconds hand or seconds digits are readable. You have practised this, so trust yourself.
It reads 9:40
